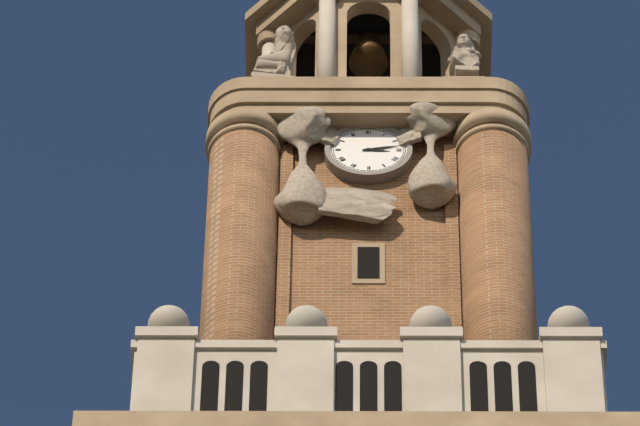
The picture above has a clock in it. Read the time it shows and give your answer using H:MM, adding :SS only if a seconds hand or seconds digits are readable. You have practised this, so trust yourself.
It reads 3:13
